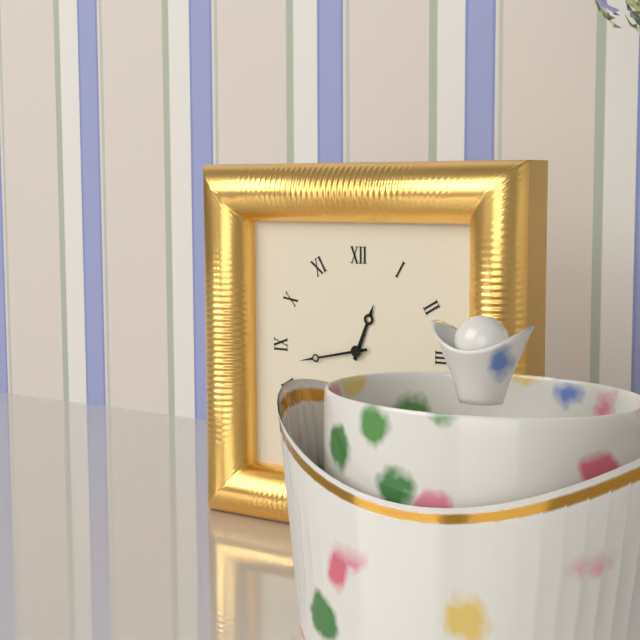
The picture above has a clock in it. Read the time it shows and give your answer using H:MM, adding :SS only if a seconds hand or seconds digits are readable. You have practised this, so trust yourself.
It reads 12:43
